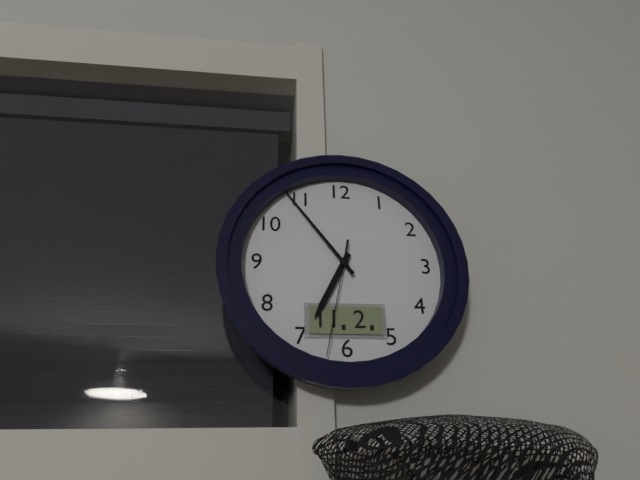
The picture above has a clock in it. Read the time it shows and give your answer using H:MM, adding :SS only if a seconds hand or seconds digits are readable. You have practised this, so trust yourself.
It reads 6:54:32
